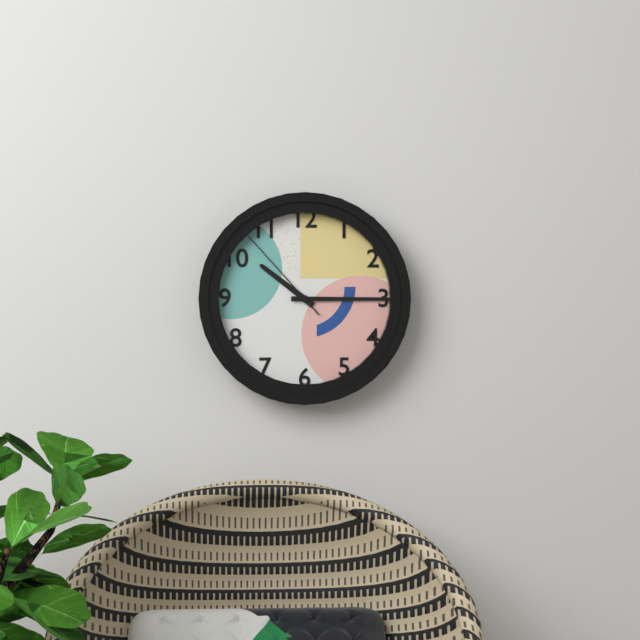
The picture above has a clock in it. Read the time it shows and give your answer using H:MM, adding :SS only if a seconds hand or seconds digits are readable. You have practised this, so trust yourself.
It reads 10:15:53
